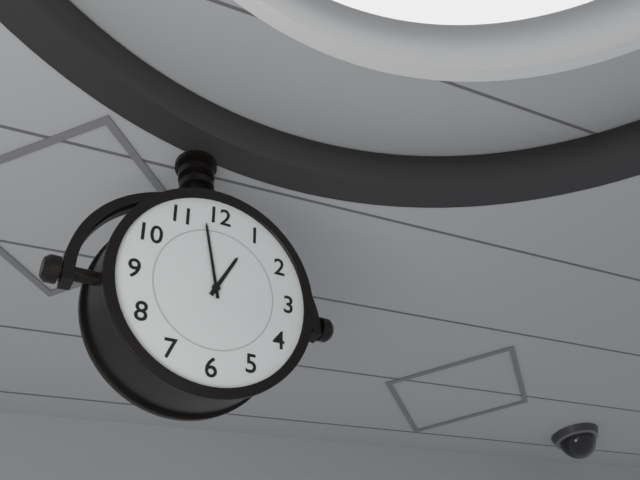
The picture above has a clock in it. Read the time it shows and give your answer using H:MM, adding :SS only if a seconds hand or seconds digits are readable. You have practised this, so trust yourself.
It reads 12:58
